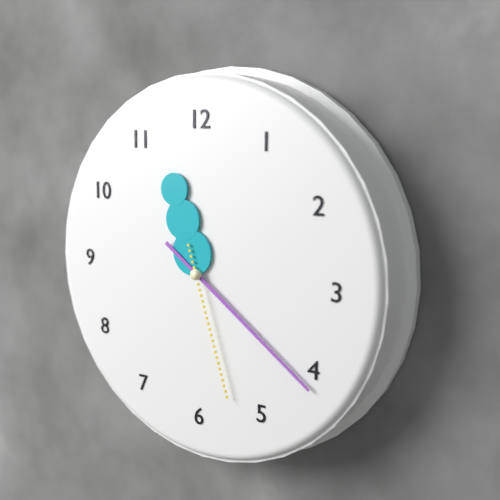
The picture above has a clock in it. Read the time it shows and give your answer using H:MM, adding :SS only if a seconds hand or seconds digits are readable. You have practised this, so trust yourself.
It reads 11:21:27
